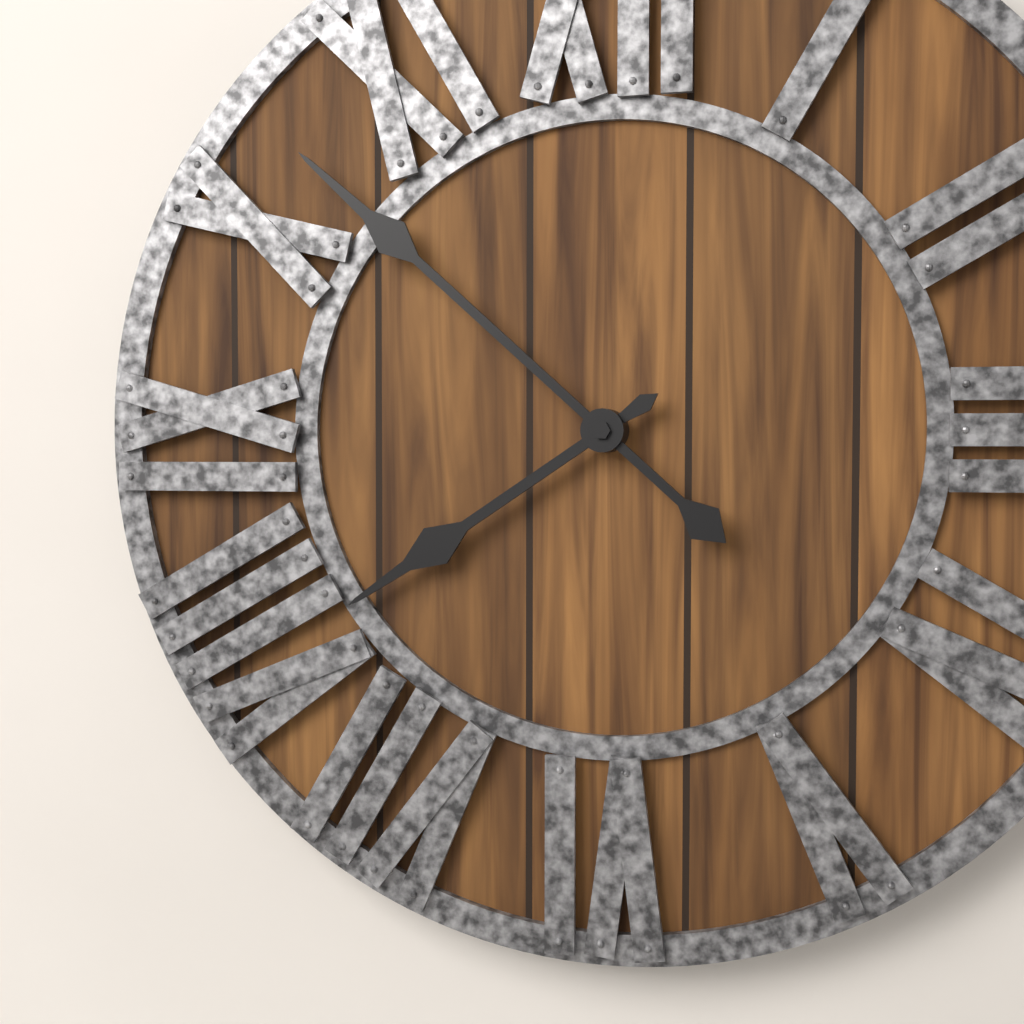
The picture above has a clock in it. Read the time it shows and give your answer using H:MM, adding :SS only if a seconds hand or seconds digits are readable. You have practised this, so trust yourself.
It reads 7:52
